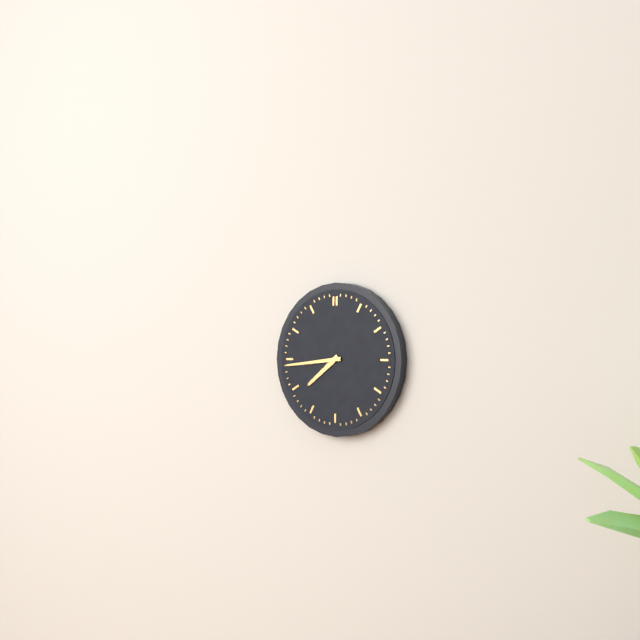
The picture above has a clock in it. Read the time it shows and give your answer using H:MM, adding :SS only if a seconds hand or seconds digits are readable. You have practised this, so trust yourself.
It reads 7:44
